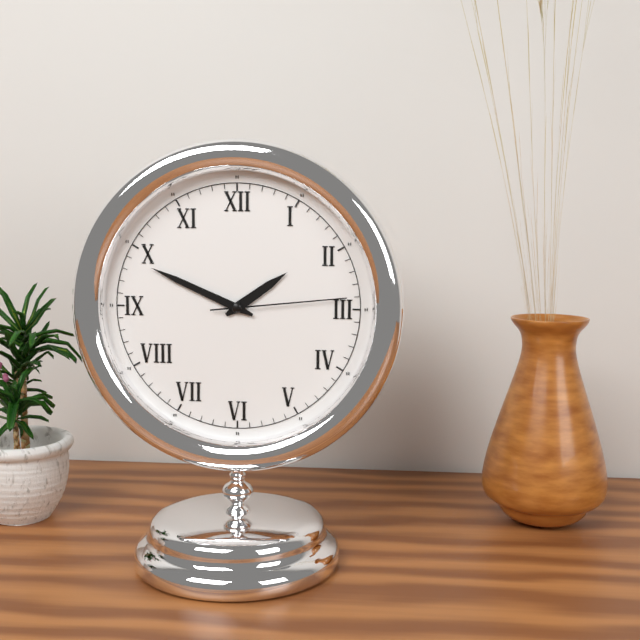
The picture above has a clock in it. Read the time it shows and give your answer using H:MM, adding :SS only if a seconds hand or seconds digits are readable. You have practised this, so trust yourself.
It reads 1:49:14
